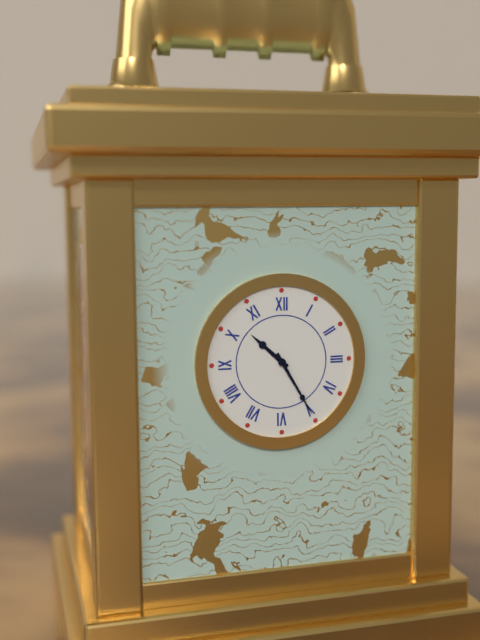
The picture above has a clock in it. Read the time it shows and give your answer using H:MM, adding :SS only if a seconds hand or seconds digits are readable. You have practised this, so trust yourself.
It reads 10:25
